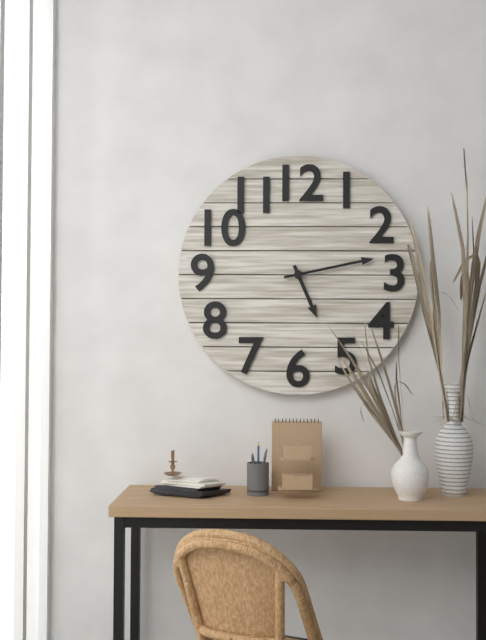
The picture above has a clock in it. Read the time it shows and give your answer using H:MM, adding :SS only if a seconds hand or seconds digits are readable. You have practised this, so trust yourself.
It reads 5:13
